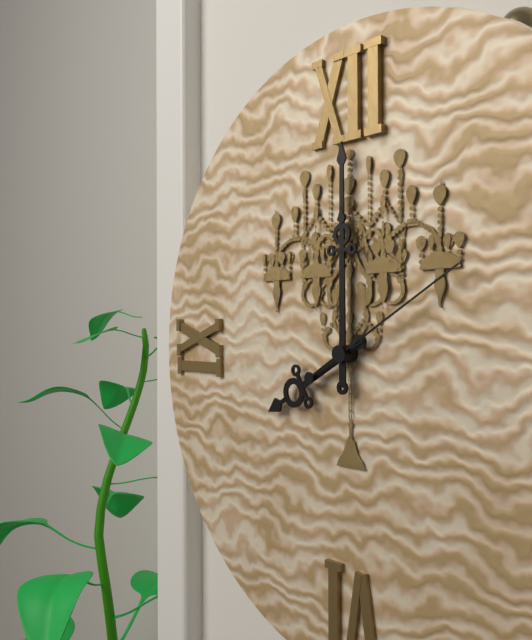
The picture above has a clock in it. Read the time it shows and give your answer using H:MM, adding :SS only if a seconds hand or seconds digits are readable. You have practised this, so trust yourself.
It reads 8:00:10
